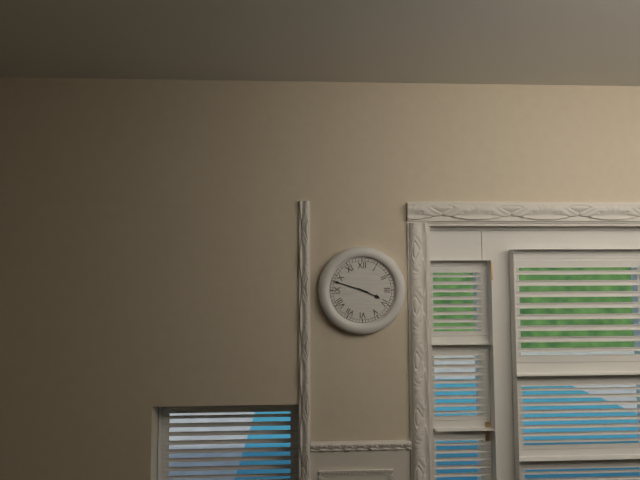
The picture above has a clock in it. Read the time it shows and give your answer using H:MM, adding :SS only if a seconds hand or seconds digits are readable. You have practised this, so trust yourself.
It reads 3:48
